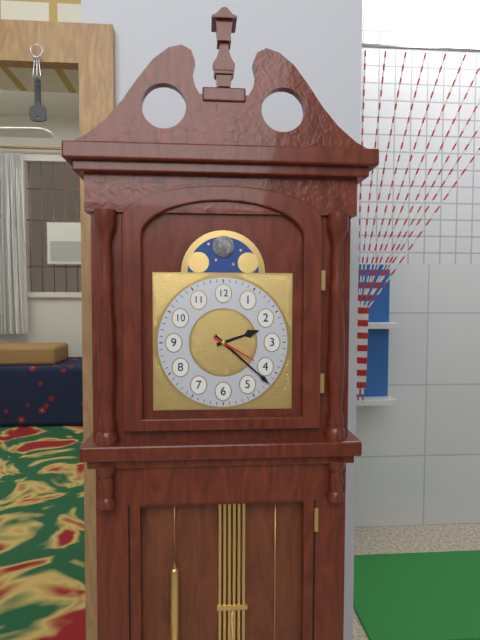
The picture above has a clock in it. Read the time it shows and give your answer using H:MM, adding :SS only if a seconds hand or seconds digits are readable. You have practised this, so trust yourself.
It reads 2:22
